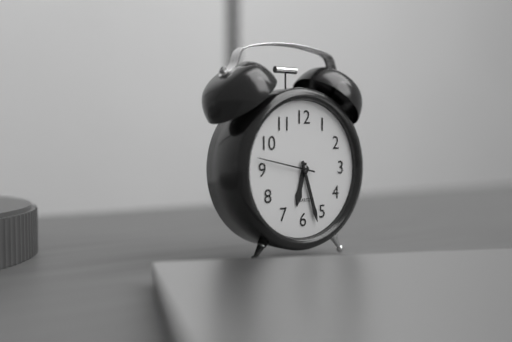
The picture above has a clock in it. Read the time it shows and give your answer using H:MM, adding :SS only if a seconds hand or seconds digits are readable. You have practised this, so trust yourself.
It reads 6:27:47
